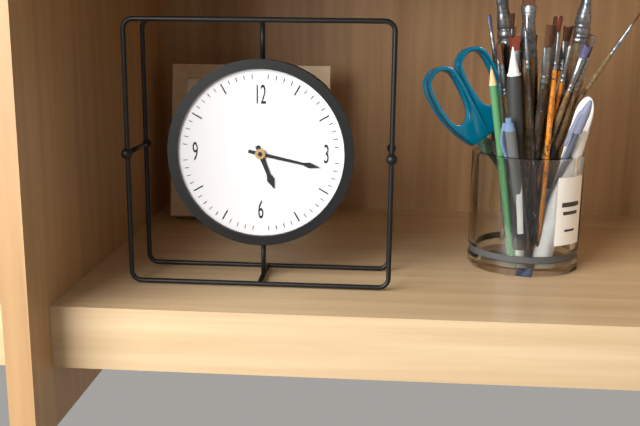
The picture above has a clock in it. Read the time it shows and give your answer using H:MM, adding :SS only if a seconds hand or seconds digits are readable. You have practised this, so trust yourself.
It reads 5:17
